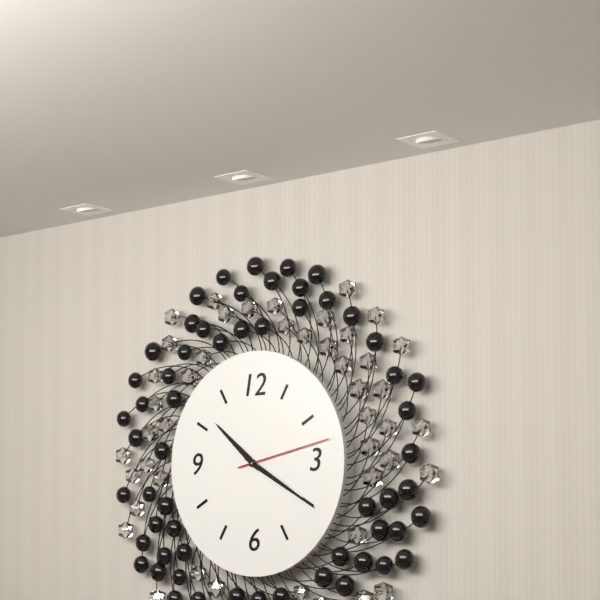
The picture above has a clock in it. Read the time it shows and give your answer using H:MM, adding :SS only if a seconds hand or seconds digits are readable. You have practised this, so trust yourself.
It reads 10:20:13
